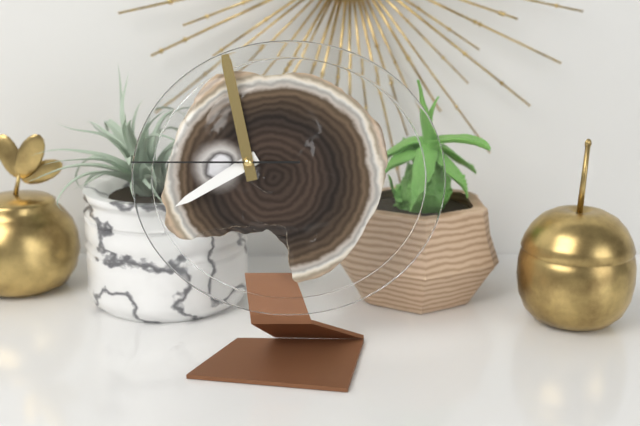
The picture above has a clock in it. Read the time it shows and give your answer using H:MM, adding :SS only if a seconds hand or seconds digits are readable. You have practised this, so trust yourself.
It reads 7:58:45
